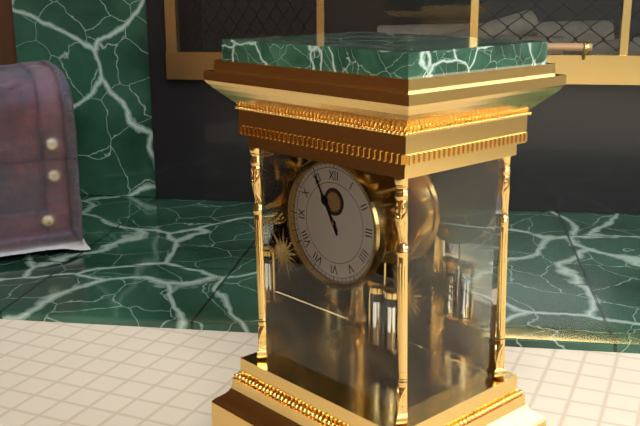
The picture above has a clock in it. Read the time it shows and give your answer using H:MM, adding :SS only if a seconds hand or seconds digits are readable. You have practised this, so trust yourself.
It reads 10:55
